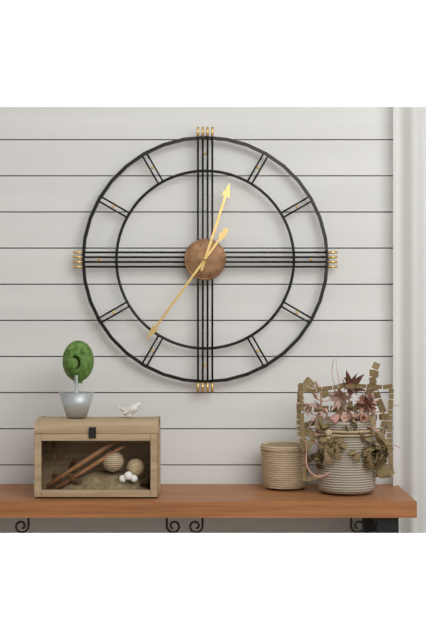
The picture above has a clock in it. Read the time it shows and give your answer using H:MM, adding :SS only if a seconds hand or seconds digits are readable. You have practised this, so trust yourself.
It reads 12:36
